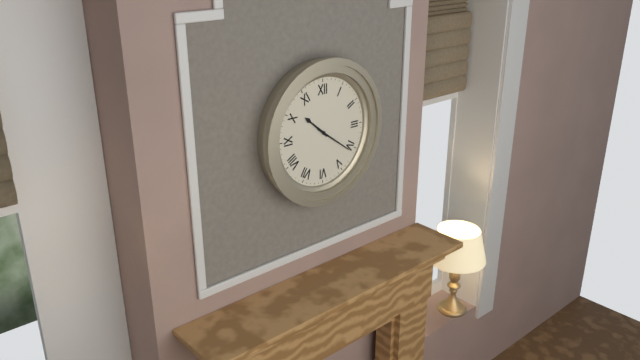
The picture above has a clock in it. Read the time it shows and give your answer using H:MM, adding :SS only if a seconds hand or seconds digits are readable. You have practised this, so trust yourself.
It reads 10:21
